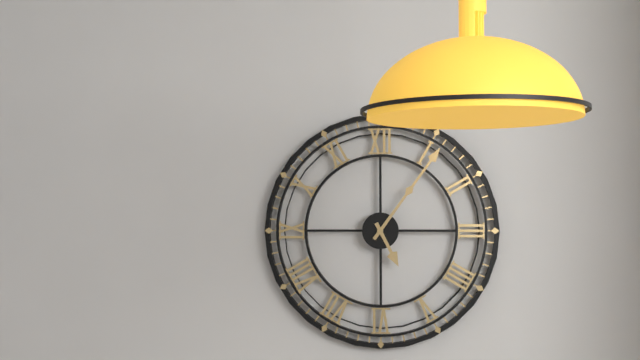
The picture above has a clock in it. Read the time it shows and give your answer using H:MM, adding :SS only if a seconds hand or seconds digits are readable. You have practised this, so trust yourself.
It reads 5:06
